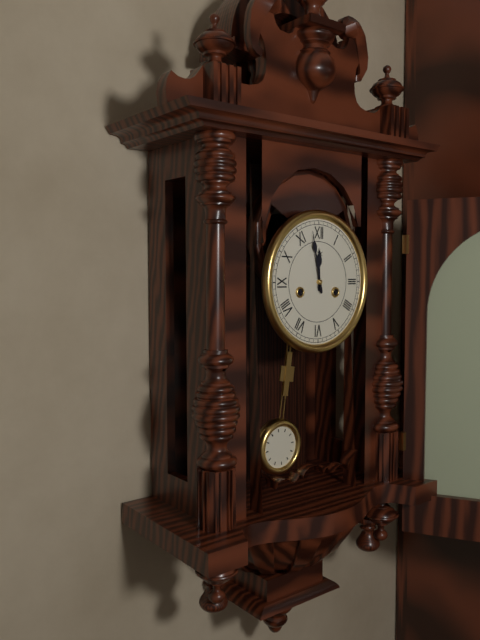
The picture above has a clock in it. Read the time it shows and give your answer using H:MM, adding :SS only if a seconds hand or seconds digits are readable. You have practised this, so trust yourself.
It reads 11:58
